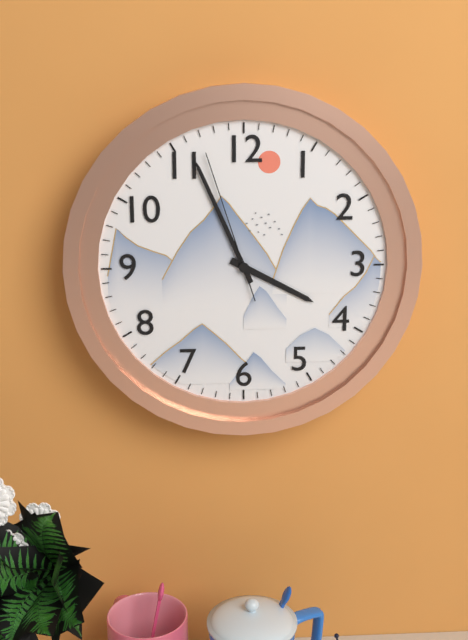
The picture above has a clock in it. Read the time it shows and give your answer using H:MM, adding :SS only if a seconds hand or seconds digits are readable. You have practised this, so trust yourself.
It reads 3:56:57
